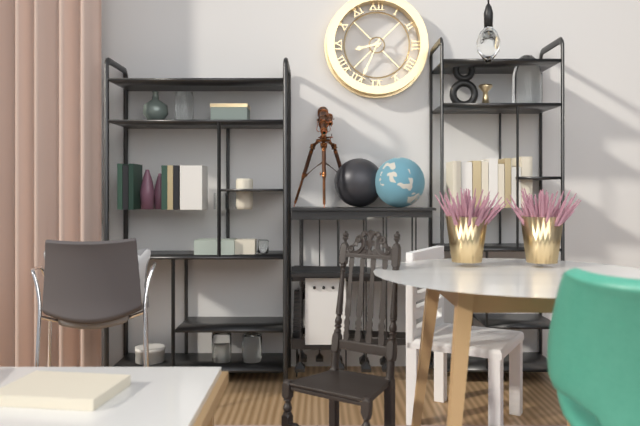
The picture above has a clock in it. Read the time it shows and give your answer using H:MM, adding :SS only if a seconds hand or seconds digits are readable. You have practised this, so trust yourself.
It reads 8:34
